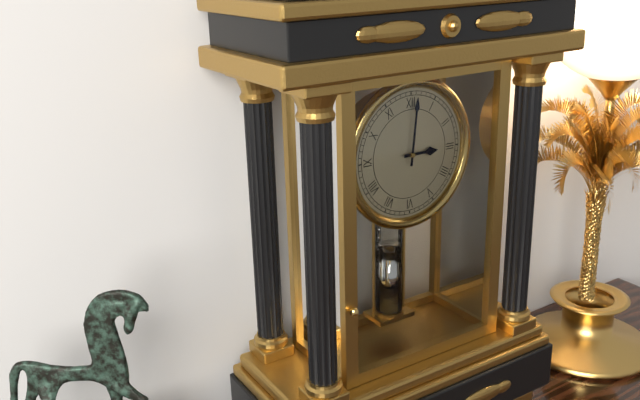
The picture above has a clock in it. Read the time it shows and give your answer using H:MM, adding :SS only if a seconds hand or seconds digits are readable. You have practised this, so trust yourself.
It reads 3:01
